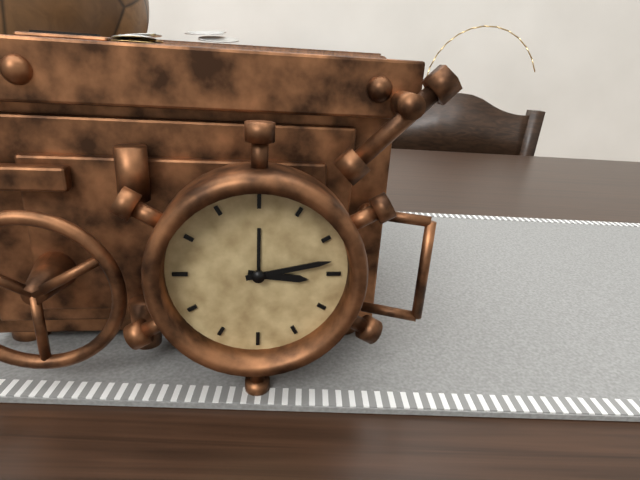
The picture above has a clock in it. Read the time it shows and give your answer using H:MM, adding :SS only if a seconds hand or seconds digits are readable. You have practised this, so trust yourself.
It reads 3:13
